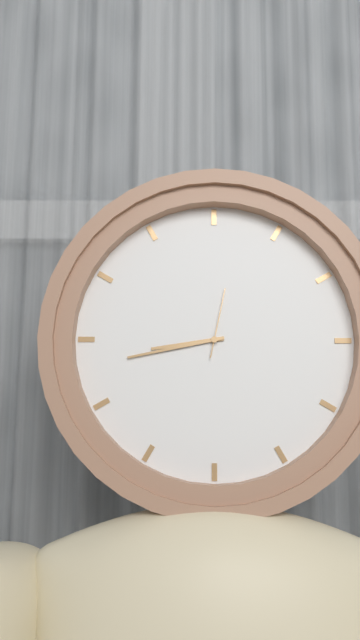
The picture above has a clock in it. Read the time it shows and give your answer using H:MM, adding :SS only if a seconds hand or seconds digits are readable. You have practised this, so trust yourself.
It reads 8:43:02
